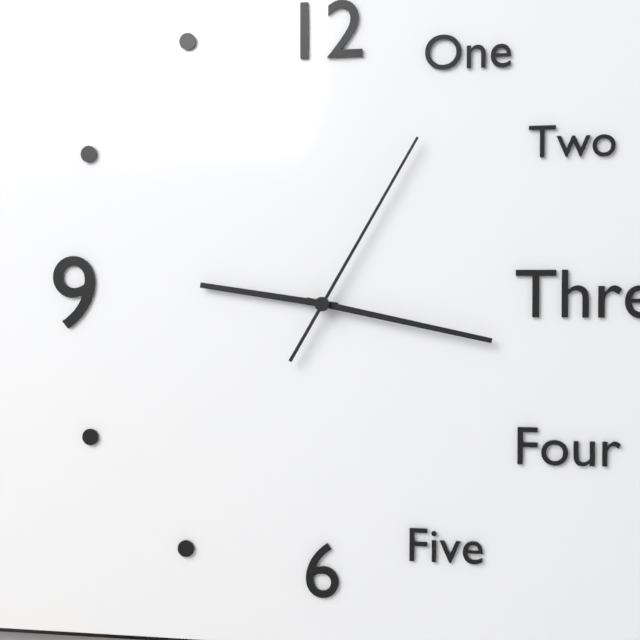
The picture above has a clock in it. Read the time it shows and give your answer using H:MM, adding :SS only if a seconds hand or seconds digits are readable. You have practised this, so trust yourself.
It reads 9:17:05
